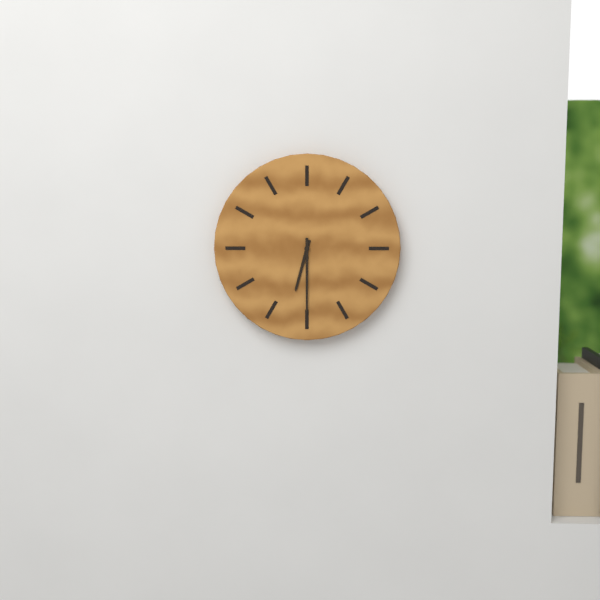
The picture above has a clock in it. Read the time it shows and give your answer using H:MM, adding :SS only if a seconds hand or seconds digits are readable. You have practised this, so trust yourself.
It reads 6:30
